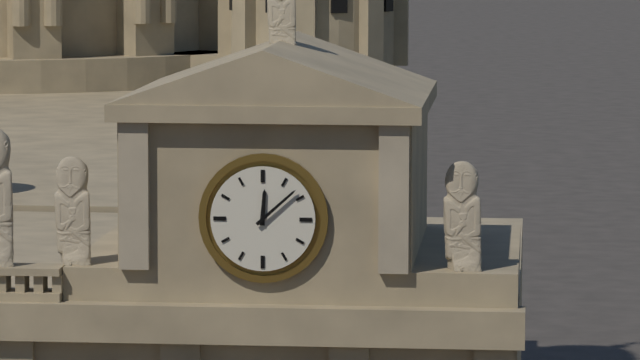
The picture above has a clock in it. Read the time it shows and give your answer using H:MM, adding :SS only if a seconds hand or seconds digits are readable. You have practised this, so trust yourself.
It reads 12:08
